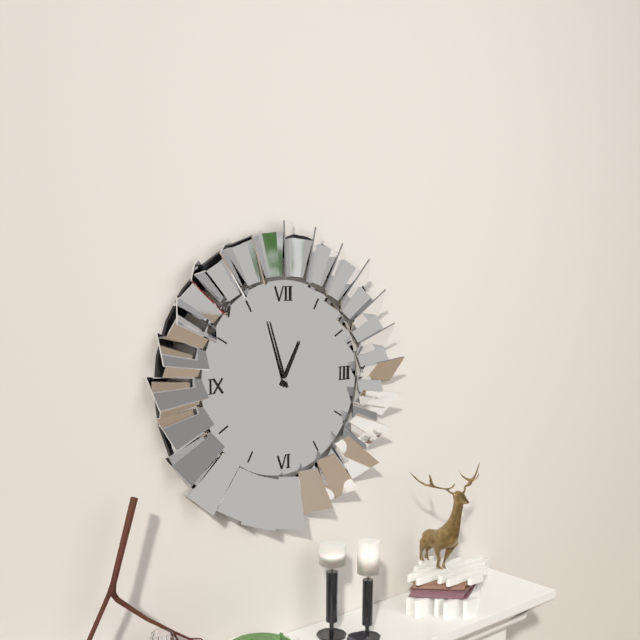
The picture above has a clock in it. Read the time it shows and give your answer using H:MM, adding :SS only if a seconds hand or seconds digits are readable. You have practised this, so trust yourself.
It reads 12:57
